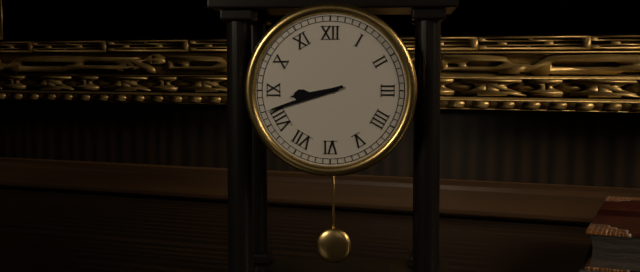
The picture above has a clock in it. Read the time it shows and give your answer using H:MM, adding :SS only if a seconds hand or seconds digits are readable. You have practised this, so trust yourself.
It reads 8:42
